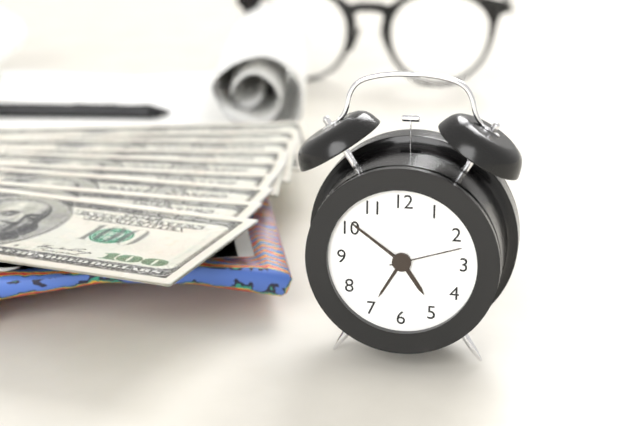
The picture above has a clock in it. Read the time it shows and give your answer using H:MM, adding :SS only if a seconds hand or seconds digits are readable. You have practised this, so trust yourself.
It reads 4:51:12
